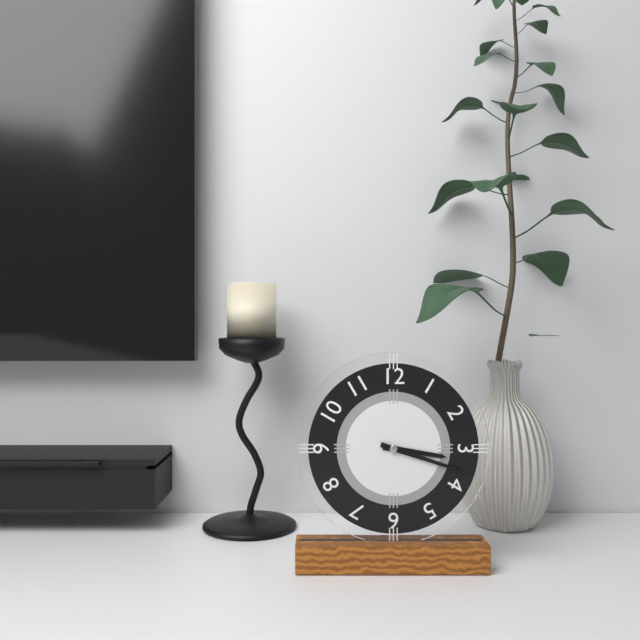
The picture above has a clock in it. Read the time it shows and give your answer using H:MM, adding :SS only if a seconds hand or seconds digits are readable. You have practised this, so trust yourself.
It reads 3:18
